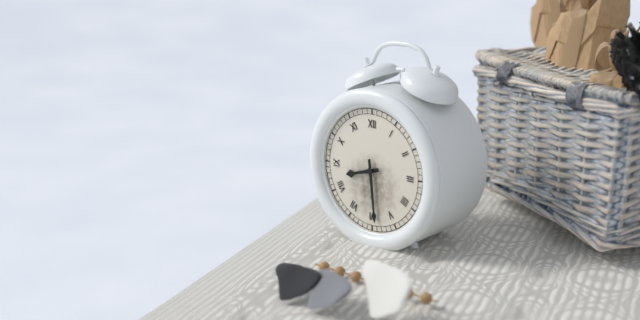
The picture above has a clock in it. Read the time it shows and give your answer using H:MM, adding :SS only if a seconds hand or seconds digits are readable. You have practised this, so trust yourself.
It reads 8:29
